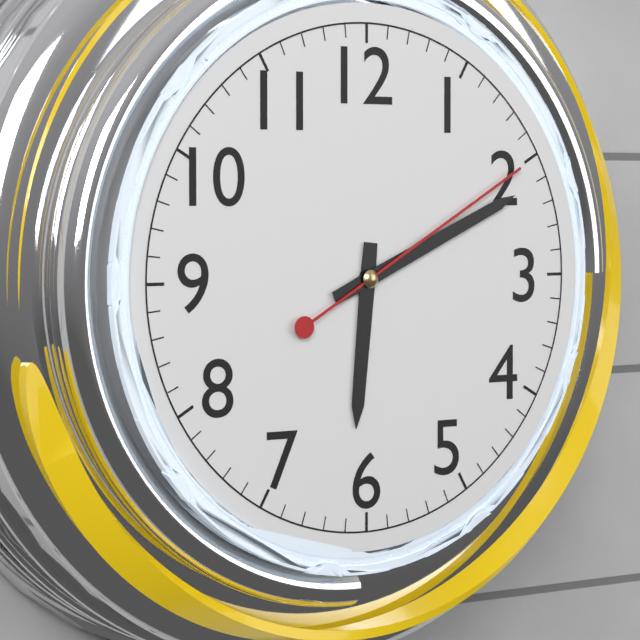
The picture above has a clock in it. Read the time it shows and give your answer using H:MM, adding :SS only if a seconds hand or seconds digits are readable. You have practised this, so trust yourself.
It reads 6:11:10
